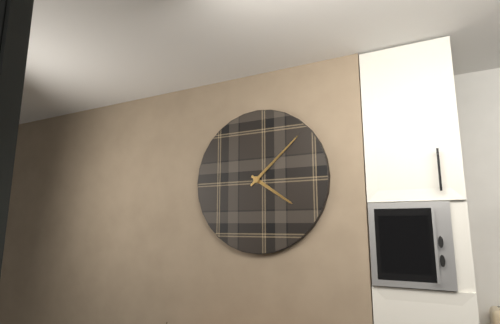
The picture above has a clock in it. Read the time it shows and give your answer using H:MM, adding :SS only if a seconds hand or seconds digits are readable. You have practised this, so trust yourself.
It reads 4:08
